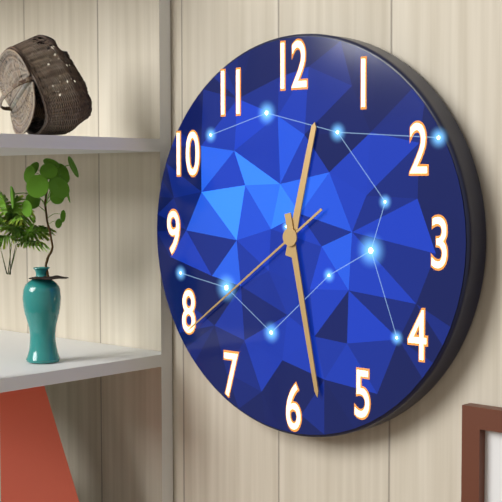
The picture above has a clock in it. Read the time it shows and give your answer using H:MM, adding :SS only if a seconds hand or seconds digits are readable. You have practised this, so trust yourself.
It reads 12:28:39
